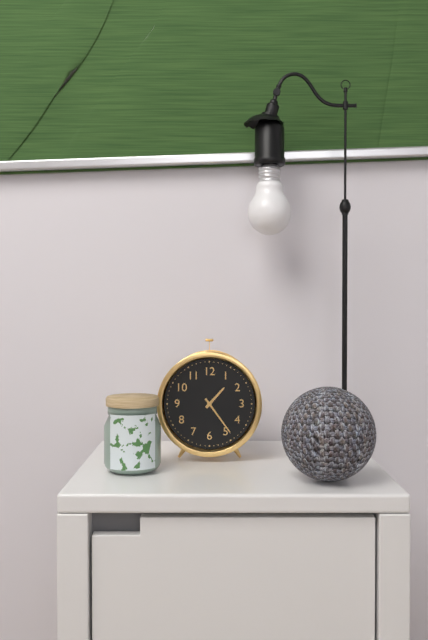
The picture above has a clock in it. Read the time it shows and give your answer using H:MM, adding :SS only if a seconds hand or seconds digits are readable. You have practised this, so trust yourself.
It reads 1:24
